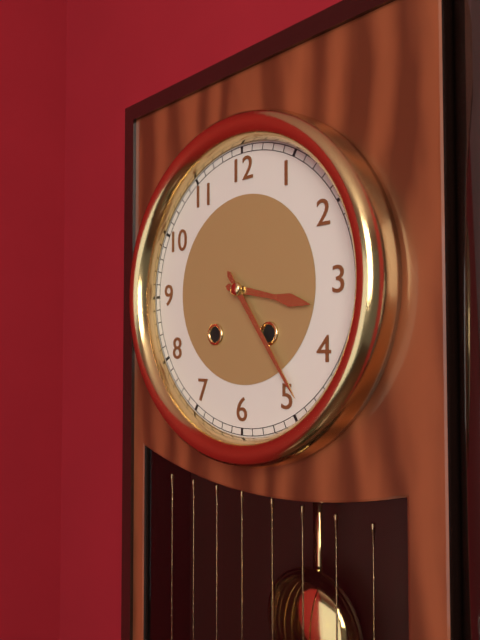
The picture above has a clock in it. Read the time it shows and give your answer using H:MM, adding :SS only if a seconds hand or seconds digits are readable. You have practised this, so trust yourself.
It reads 3:24
